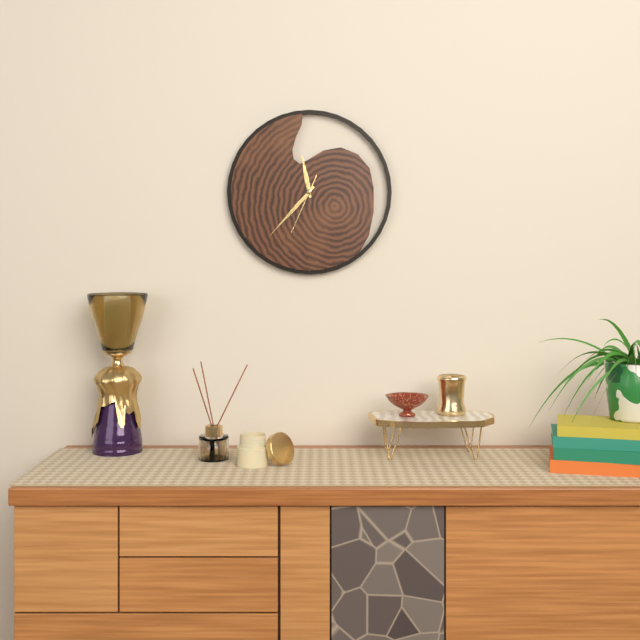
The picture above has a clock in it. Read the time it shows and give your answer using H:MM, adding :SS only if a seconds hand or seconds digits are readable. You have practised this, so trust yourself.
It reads 11:37:34
